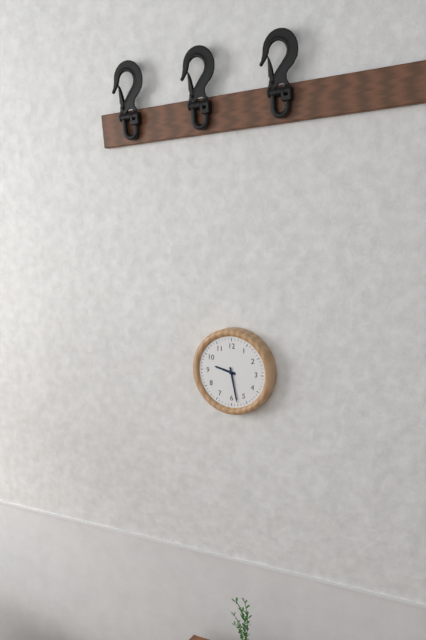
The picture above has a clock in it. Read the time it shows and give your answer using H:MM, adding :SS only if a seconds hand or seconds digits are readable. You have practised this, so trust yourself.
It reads 9:28
